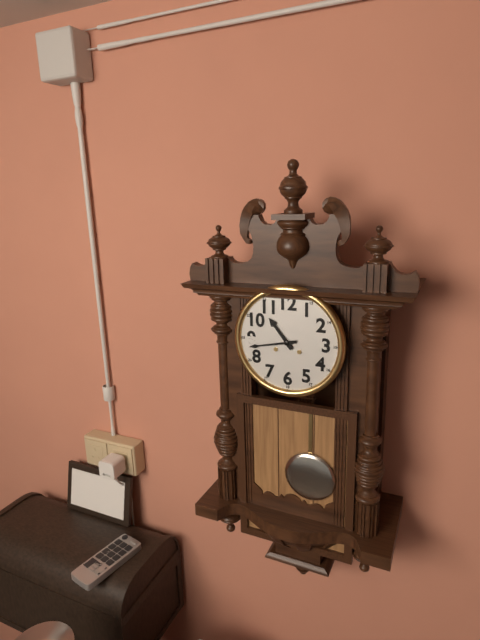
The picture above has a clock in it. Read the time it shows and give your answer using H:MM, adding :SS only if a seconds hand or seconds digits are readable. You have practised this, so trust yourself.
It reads 10:43
